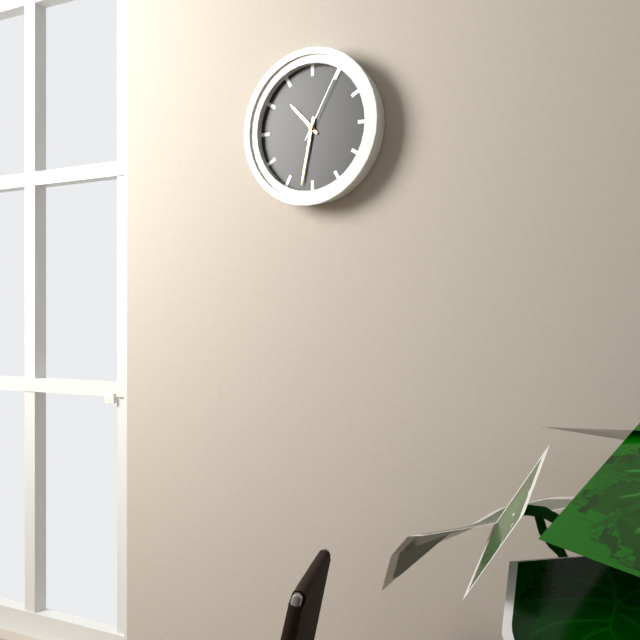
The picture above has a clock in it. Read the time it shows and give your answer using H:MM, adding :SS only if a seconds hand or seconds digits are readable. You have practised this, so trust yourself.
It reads 10:32:05
